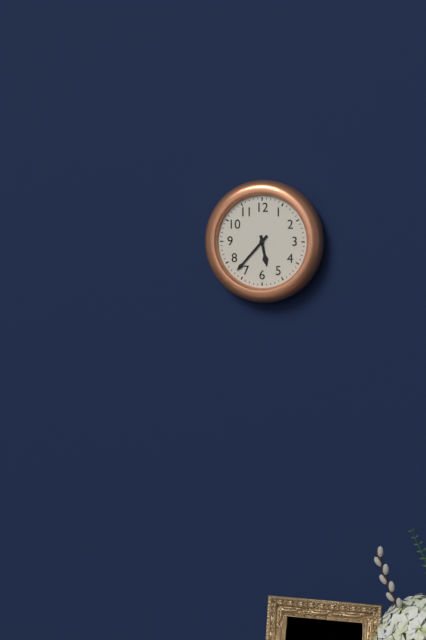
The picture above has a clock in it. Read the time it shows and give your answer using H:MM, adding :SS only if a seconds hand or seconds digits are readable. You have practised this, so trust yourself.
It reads 5:37
